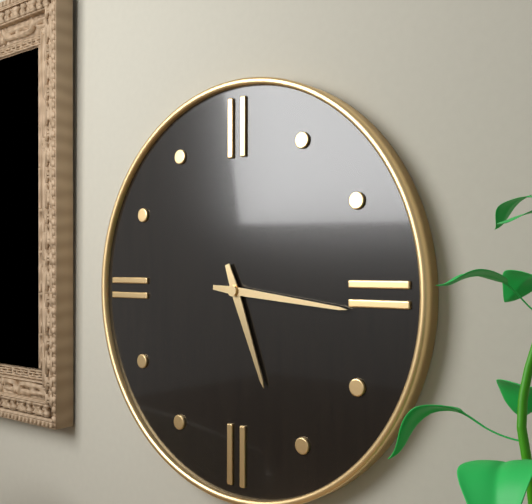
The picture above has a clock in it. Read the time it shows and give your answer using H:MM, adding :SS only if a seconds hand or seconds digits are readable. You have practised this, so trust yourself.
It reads 5:16
